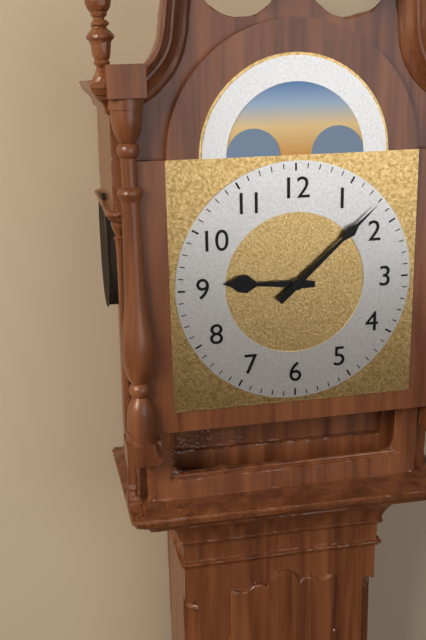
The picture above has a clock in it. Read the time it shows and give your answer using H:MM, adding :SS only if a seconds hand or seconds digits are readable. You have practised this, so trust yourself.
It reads 9:08
